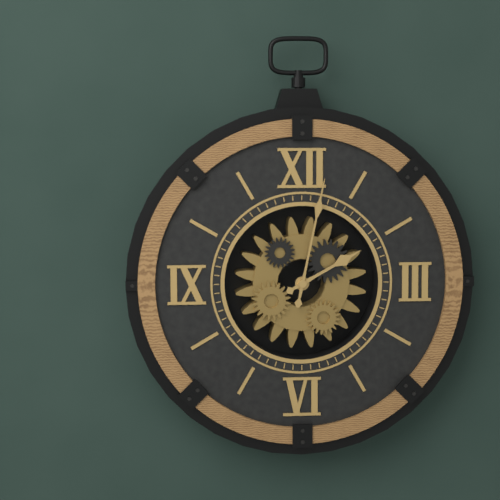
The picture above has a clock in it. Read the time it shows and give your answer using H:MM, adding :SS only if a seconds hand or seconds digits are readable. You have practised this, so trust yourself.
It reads 2:02
